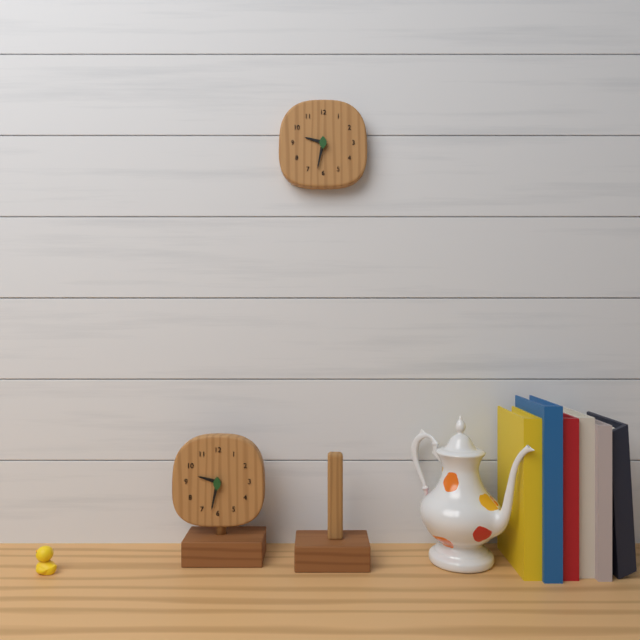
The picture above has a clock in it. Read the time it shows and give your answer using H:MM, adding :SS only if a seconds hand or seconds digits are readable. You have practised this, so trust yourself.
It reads 9:32
